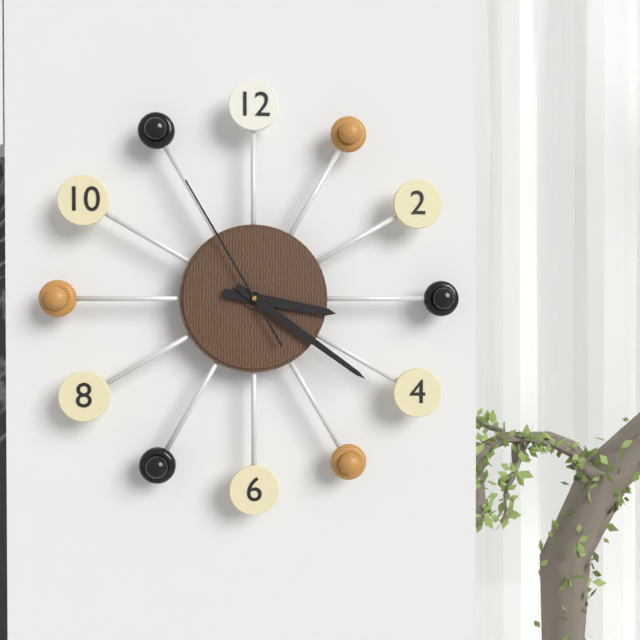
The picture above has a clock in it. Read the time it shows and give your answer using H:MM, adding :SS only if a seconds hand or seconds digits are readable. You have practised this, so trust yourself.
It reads 3:21:55
